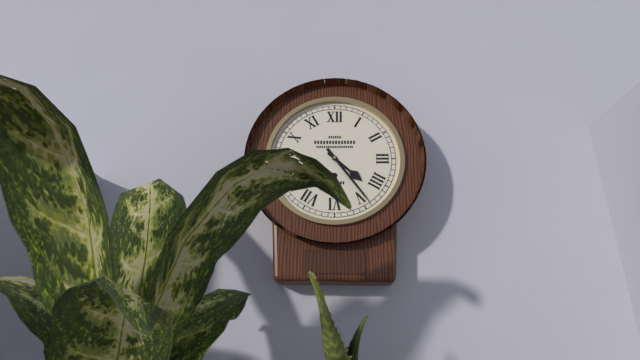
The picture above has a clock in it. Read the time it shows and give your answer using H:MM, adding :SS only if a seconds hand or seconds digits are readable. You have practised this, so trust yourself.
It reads 4:24
